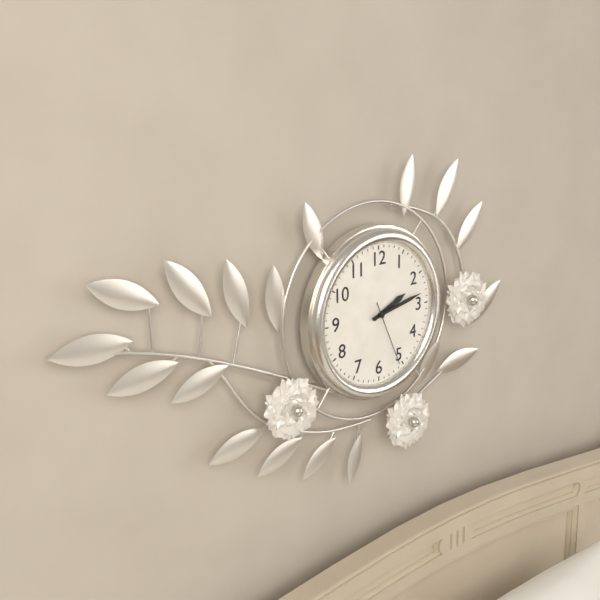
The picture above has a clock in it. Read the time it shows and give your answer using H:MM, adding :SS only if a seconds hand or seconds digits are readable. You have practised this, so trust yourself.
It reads 2:13:26
